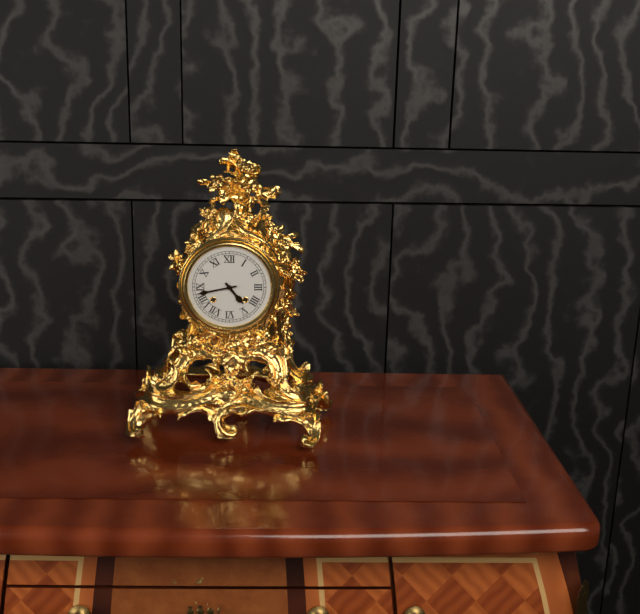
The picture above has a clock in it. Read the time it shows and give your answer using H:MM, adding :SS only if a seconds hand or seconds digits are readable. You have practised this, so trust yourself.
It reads 4:43
